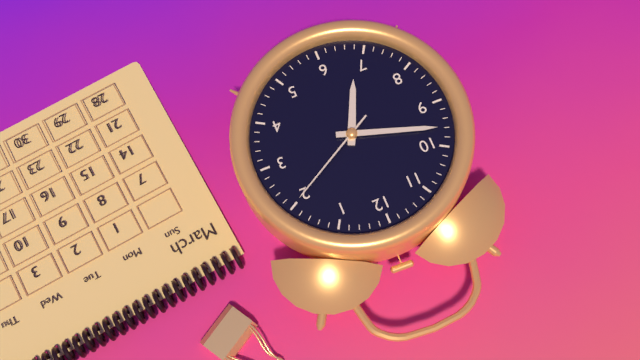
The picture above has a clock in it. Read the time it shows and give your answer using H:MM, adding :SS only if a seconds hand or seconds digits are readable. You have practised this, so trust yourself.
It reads 6:48:10
